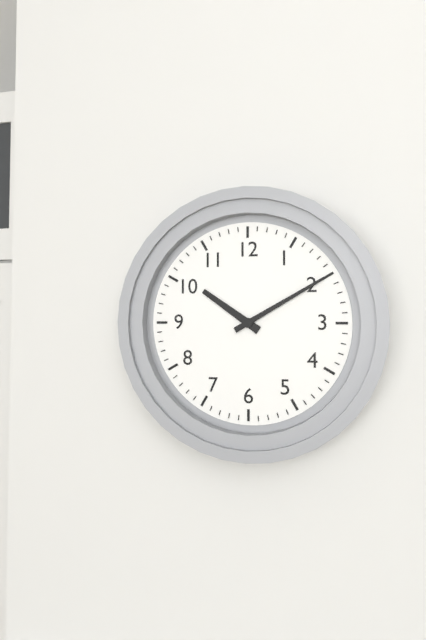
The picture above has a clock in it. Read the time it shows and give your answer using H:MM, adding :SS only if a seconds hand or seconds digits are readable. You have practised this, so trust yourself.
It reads 10:10
